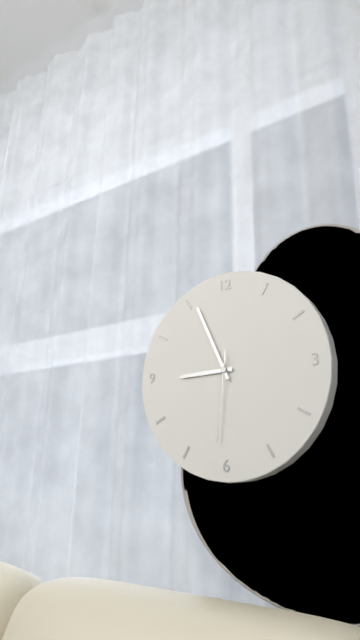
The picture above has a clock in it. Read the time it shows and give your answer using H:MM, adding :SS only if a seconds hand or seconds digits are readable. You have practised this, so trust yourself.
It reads 8:56:31
